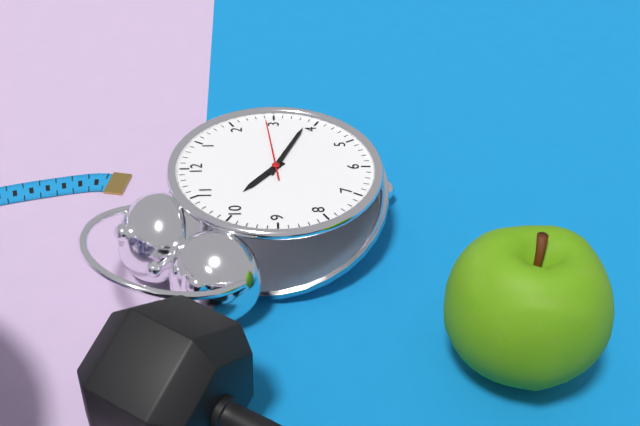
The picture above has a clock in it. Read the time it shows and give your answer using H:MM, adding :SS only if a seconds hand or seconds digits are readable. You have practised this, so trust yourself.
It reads 10:19:14
